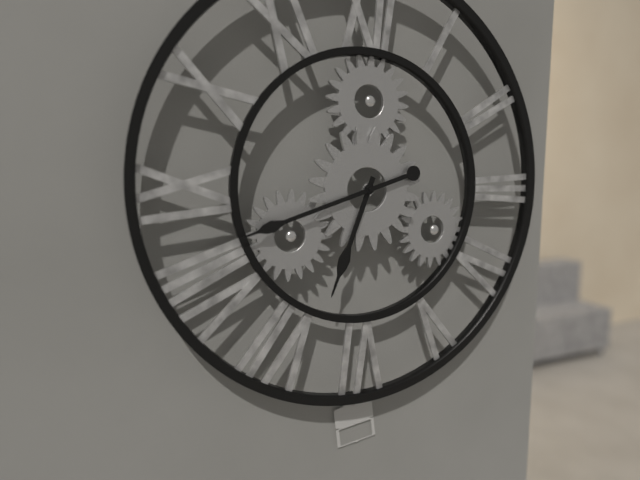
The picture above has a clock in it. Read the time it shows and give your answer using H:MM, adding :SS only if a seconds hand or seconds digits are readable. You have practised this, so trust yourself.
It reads 6:42
